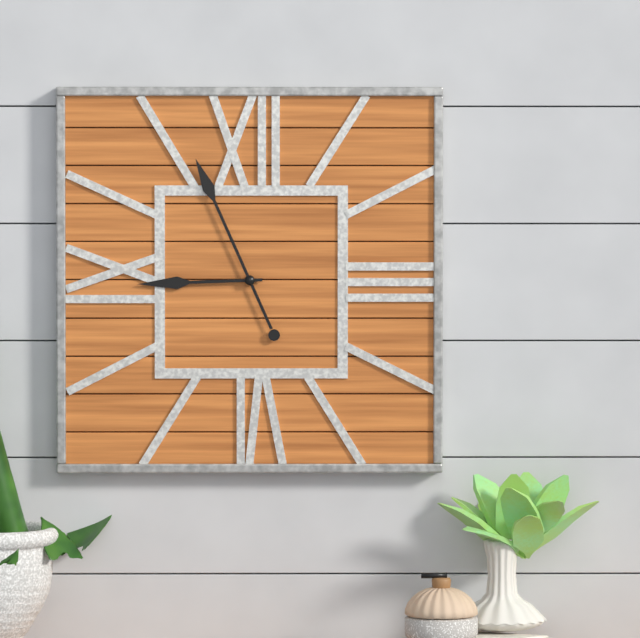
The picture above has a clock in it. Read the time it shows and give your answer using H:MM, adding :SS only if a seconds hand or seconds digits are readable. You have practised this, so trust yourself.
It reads 8:56
